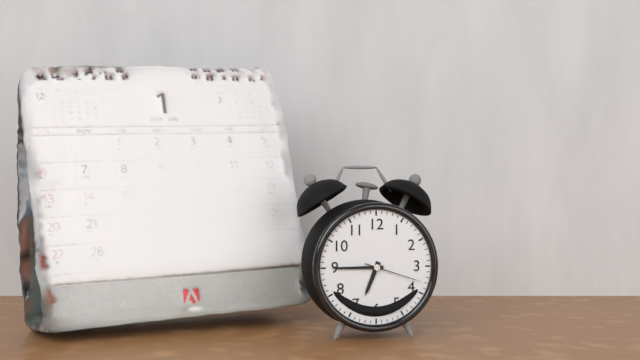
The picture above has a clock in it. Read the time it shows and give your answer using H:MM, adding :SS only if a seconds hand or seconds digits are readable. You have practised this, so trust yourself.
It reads 6:45:18
